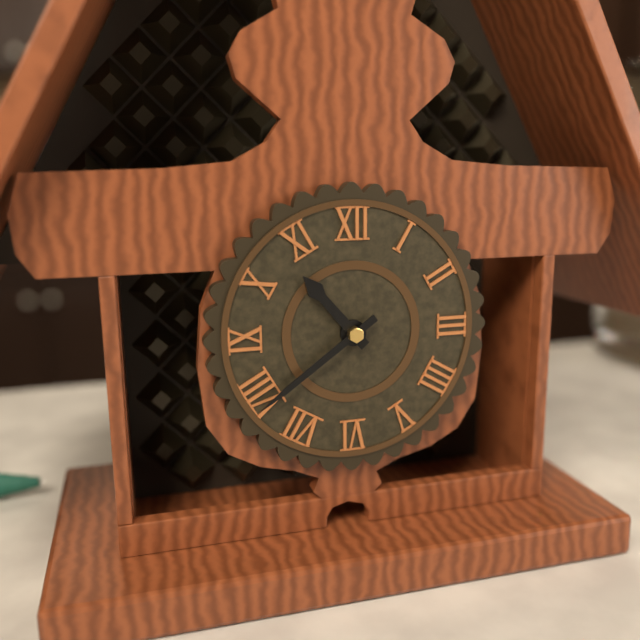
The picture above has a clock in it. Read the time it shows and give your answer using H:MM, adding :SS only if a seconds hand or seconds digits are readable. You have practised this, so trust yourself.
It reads 10:39
